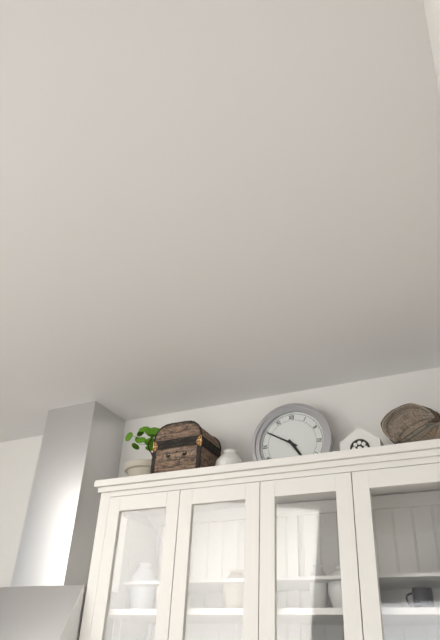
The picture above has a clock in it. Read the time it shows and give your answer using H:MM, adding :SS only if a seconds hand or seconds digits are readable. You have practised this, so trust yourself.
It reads 4:50
